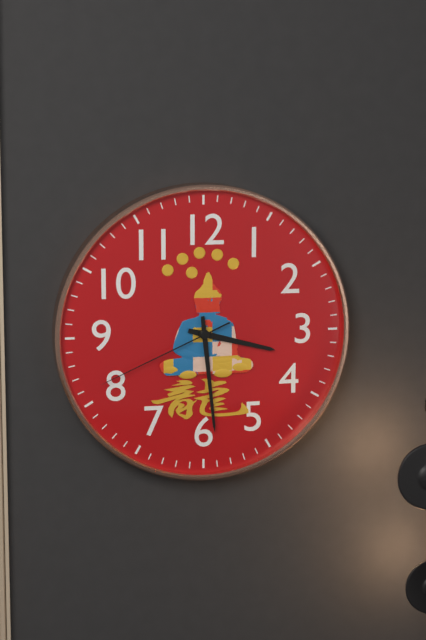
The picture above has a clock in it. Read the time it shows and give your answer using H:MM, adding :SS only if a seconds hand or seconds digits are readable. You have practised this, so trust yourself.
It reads 3:29:41
